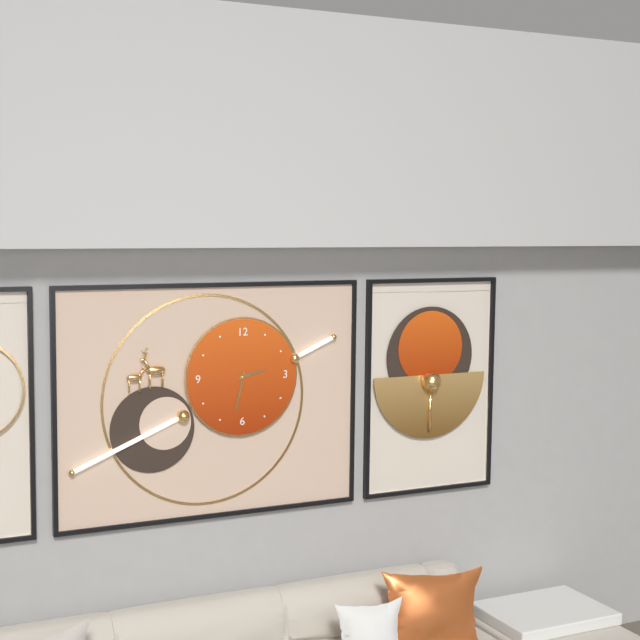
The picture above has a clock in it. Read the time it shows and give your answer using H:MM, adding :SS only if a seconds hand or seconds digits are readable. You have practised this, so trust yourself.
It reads 2:32
